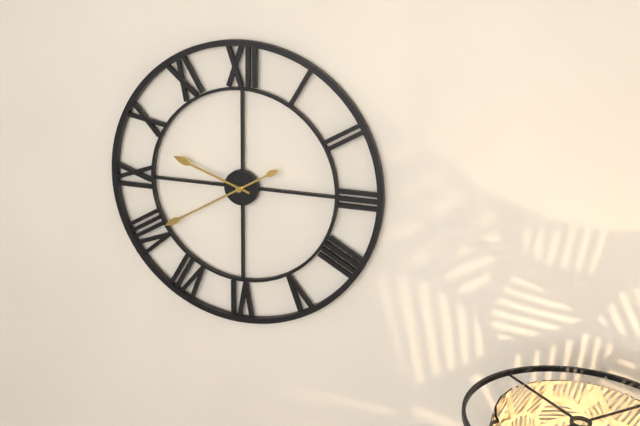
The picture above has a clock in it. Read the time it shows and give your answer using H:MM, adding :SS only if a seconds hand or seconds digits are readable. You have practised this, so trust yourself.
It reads 9:40
